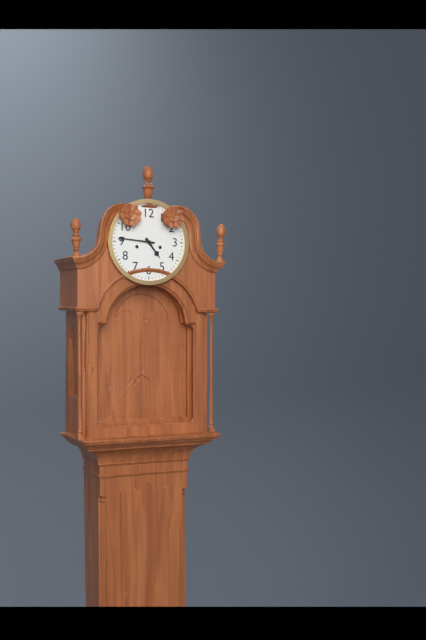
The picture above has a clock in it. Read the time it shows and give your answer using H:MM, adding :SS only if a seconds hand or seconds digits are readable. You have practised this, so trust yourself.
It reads 4:46
